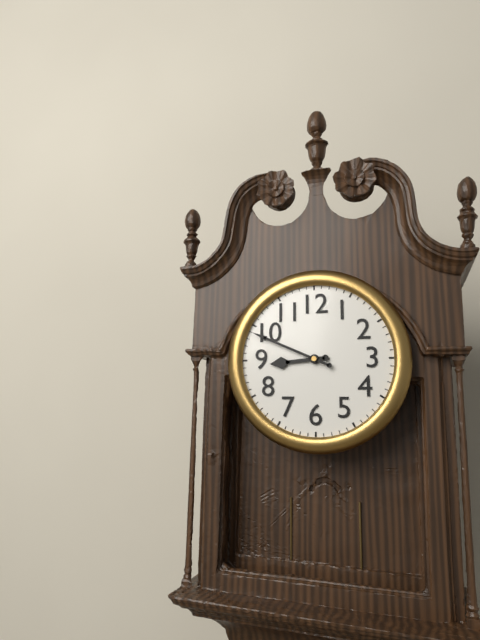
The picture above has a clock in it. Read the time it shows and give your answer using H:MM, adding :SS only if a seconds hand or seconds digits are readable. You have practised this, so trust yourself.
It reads 8:49
